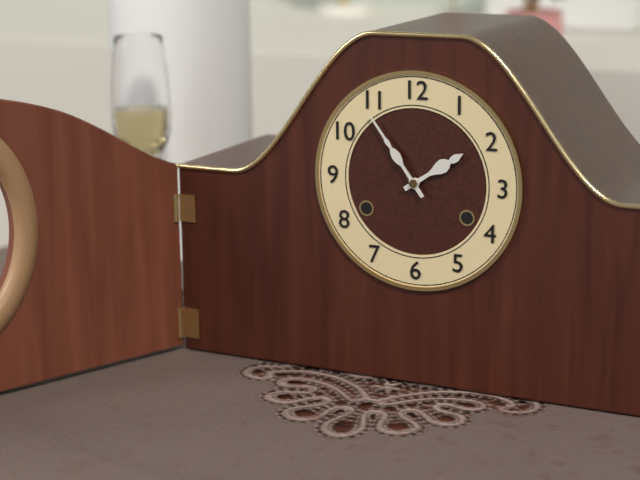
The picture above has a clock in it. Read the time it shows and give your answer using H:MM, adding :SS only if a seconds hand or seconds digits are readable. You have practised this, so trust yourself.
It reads 1:54
